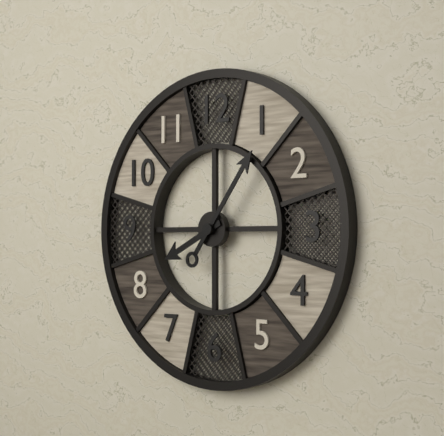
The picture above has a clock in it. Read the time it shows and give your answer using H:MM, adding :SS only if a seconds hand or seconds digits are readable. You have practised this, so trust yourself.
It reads 8:06
